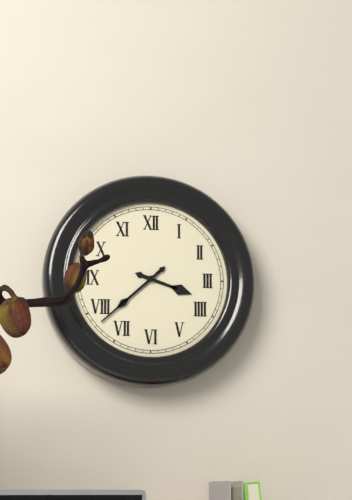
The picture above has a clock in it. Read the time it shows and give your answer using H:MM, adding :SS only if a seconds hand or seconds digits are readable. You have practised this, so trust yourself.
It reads 3:38
